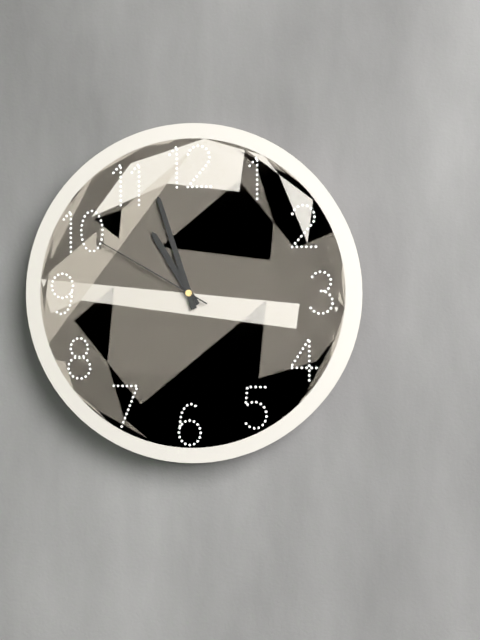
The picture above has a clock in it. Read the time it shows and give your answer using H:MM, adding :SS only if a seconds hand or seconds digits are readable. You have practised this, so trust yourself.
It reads 10:57:50
